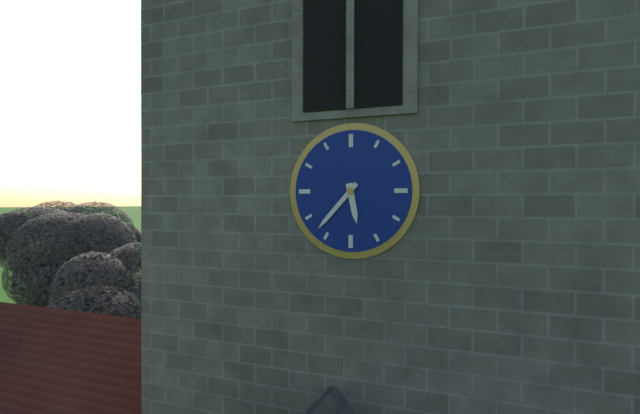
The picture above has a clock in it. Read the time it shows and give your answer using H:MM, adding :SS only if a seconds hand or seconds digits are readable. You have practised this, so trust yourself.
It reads 5:37
